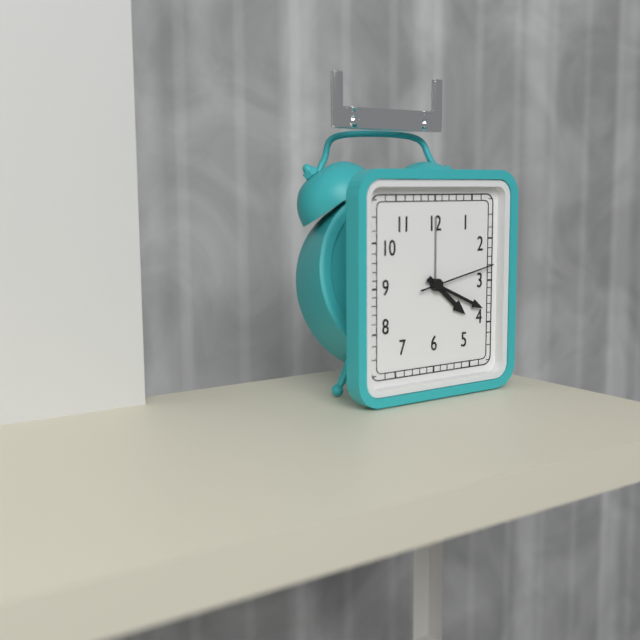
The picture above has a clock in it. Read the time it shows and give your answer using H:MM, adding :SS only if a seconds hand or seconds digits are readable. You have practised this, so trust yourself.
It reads 4:19:13
